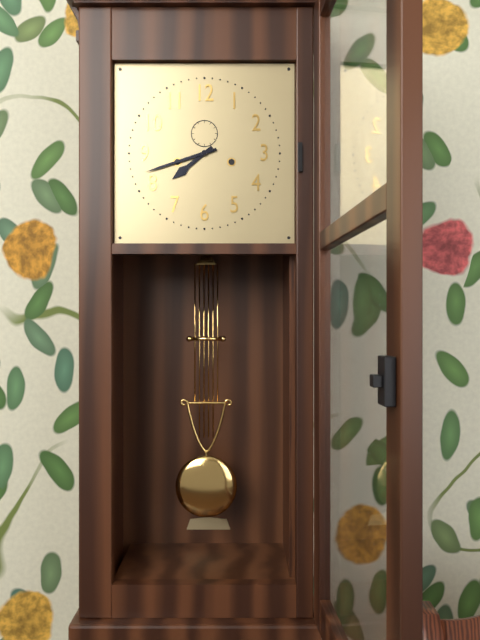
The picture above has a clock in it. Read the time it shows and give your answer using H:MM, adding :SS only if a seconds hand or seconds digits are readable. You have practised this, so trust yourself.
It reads 7:42
